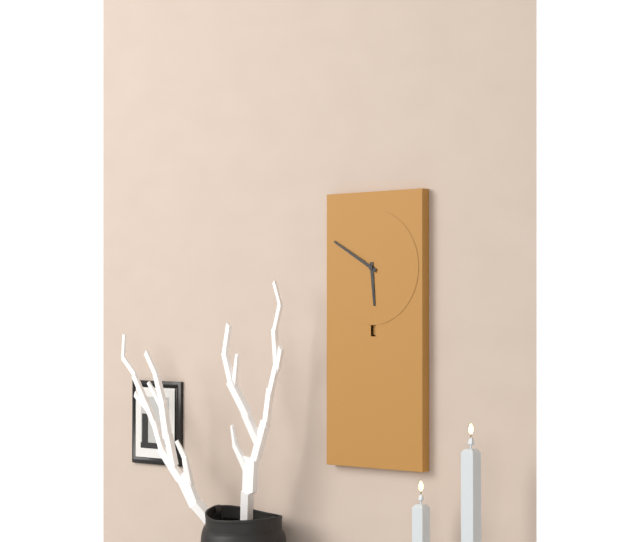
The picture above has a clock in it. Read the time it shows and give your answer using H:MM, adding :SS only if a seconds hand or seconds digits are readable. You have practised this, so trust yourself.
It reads 5:50
